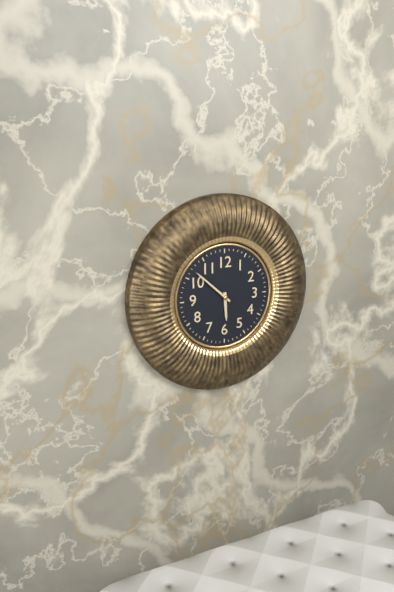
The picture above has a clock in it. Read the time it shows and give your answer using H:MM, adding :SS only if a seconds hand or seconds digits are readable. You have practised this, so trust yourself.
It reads 5:52
